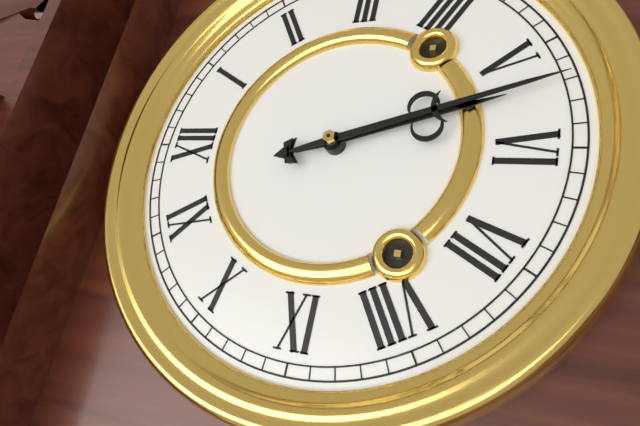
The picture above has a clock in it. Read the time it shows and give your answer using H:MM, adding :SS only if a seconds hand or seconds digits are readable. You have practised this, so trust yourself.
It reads 5:27
